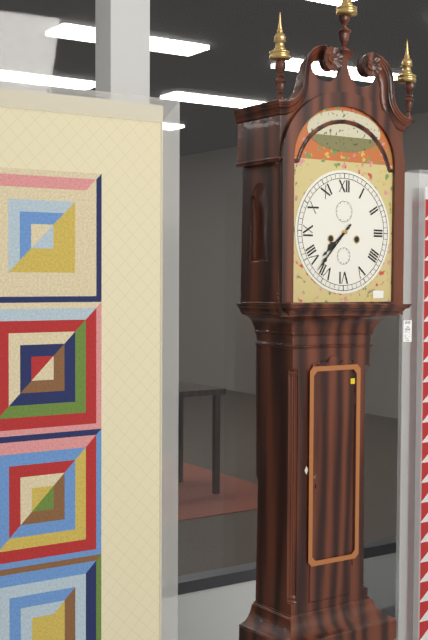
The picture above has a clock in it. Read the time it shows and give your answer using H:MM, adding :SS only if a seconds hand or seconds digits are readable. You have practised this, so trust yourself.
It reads 7:37
